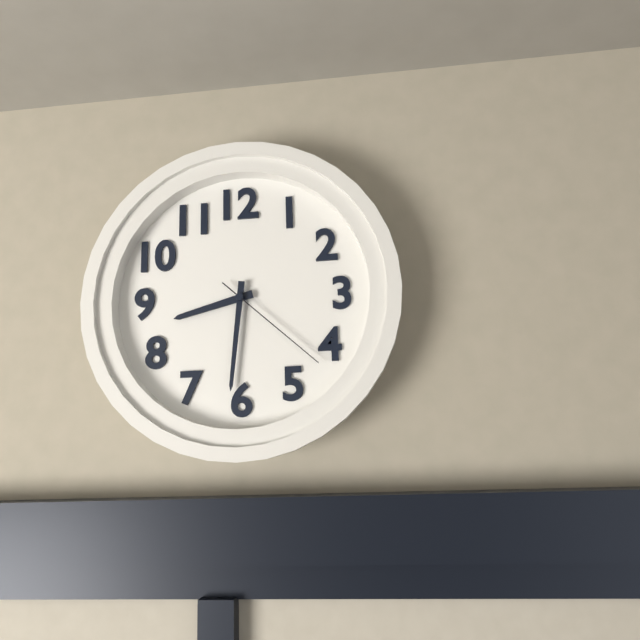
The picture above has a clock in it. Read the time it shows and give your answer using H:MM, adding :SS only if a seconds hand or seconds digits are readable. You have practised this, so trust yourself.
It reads 8:31:22
